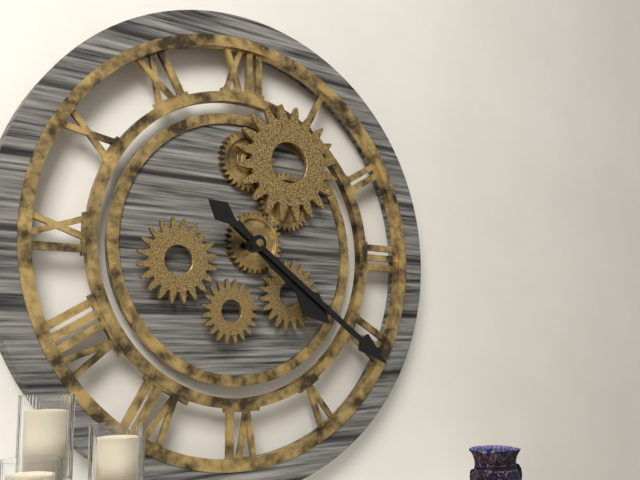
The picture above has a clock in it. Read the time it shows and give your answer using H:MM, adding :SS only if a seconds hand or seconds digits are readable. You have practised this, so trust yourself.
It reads 4:21
